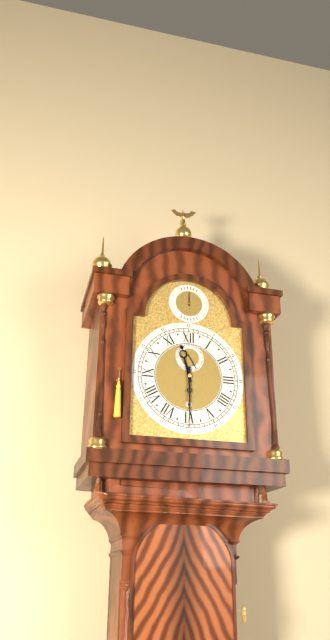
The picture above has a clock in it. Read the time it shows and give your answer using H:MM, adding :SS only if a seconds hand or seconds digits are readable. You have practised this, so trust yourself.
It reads 11:30
